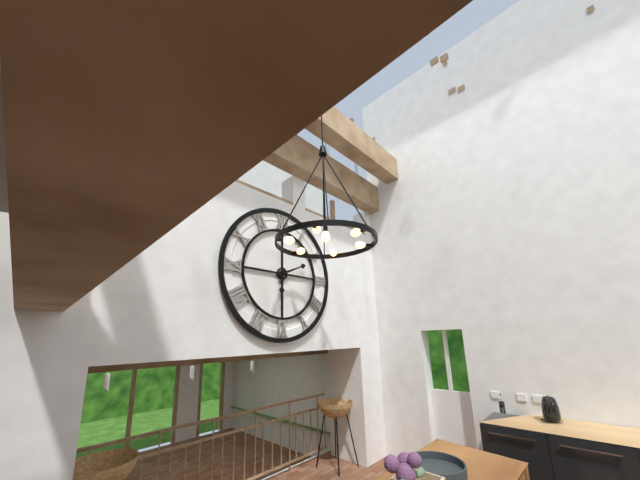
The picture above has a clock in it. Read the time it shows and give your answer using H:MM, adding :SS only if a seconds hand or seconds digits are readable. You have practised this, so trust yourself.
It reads 6:11
